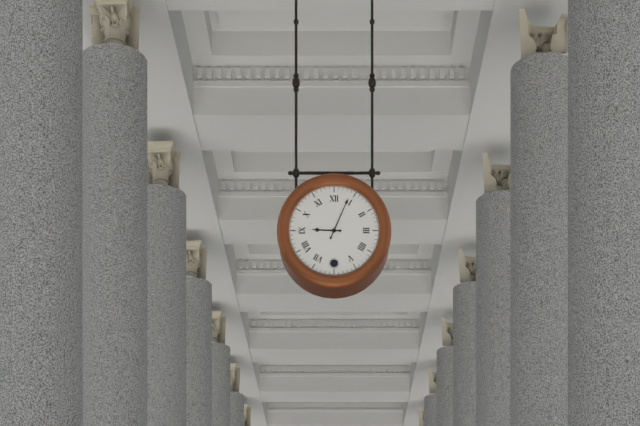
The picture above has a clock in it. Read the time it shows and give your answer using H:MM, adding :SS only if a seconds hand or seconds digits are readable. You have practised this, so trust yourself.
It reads 9:04
